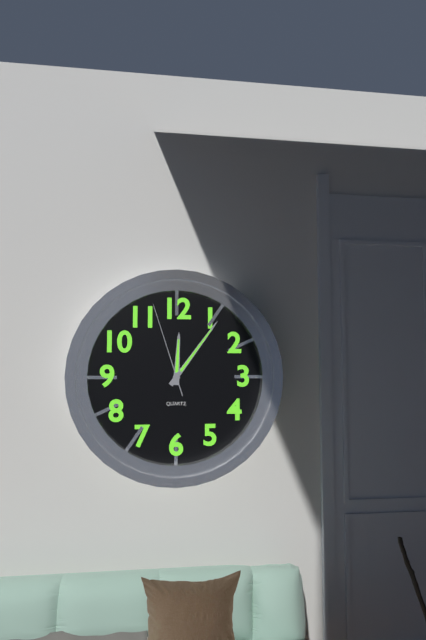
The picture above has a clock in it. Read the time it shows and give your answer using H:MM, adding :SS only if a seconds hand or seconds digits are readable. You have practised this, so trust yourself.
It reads 12:06:57
